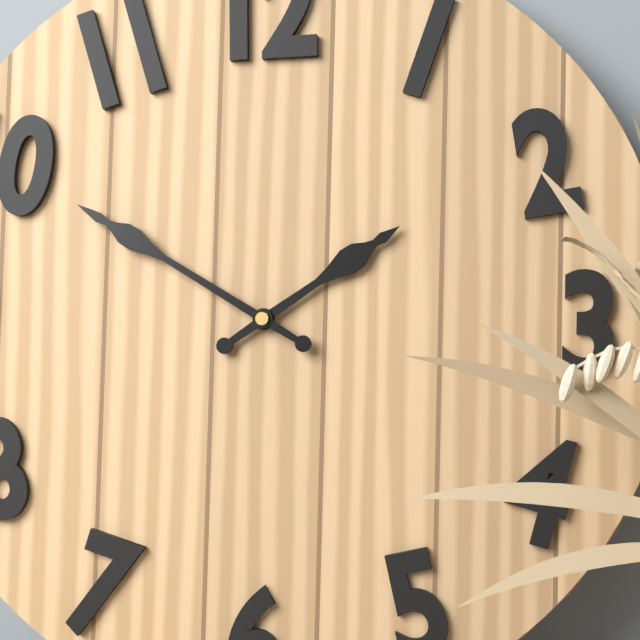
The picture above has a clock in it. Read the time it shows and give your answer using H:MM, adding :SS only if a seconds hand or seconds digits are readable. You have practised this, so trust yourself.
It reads 1:50
